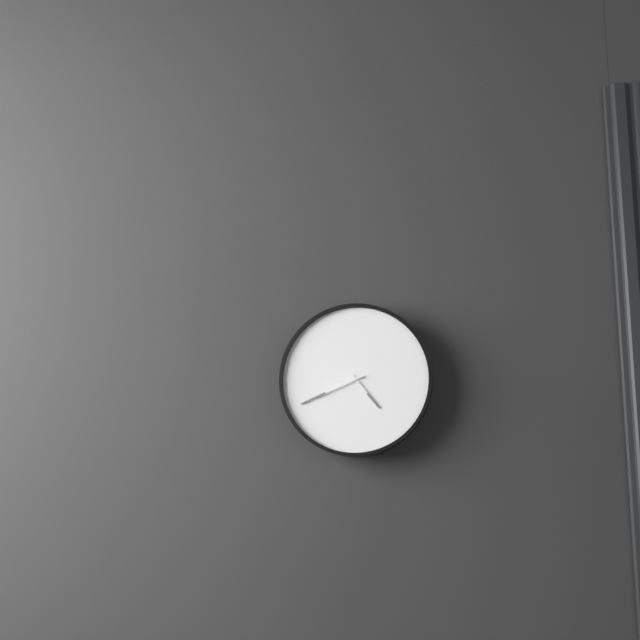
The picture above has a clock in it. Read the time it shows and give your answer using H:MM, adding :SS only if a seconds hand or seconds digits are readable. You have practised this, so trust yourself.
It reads 4:41
